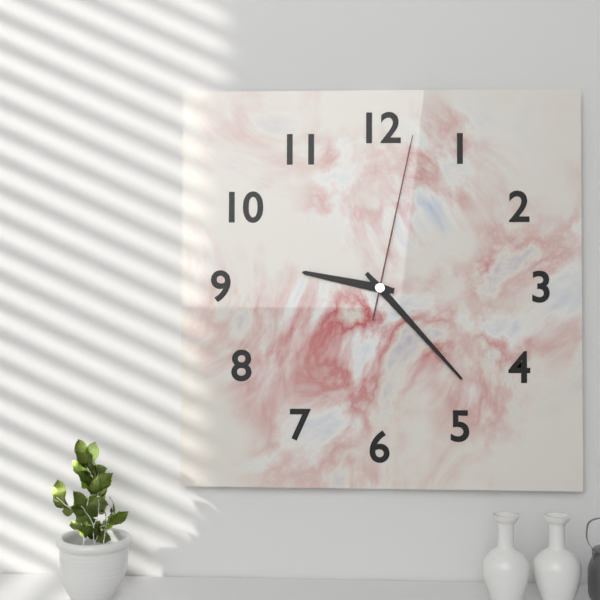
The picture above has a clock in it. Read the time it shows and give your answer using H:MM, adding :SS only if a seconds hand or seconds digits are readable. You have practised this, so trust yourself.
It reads 9:23:02
